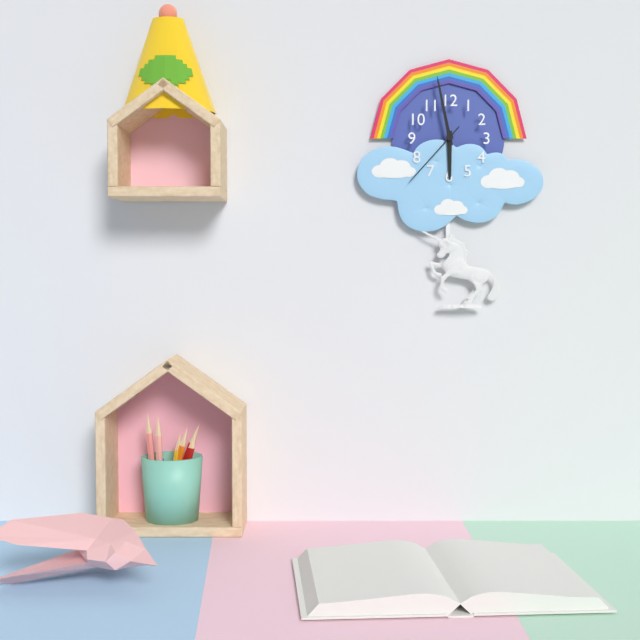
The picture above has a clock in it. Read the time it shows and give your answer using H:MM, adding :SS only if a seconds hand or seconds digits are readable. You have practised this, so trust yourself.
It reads 5:58:37
